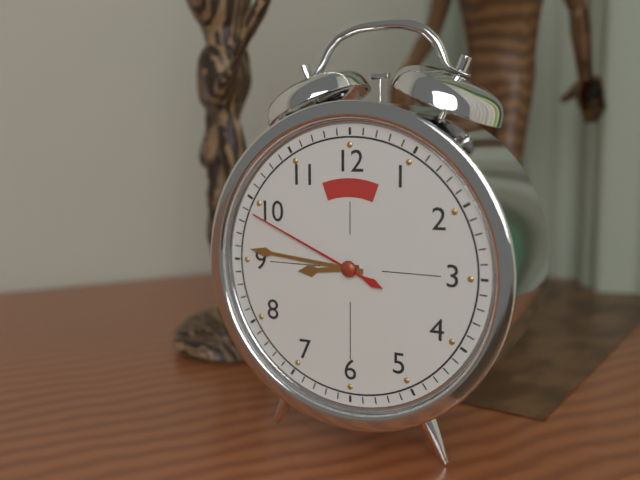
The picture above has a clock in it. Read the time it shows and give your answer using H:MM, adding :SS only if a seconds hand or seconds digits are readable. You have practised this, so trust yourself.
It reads 8:46:49
